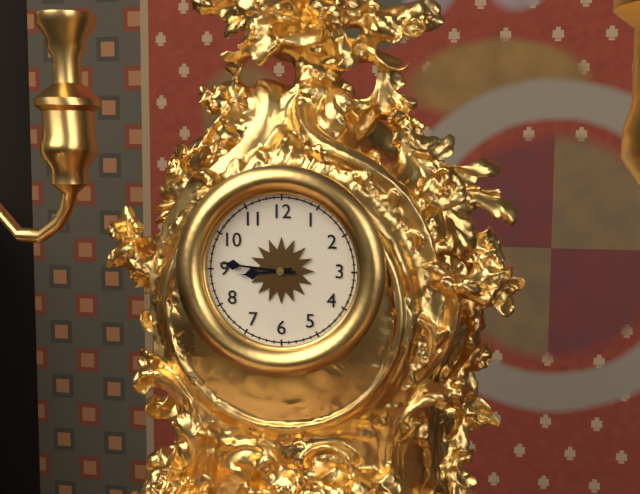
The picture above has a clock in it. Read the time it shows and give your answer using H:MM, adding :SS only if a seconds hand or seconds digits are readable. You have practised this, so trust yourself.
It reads 8:46
